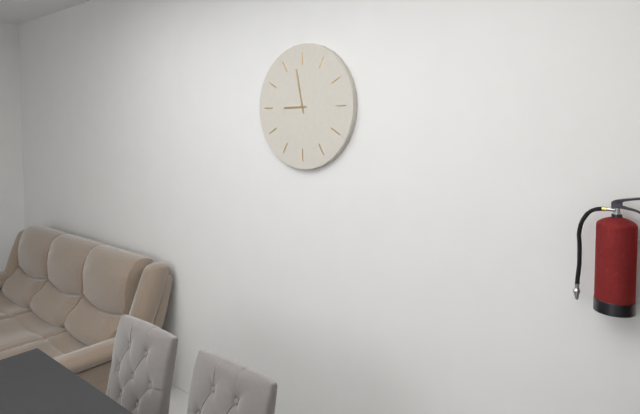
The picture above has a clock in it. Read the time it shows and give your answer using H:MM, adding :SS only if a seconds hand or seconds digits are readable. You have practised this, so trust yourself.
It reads 8:58
